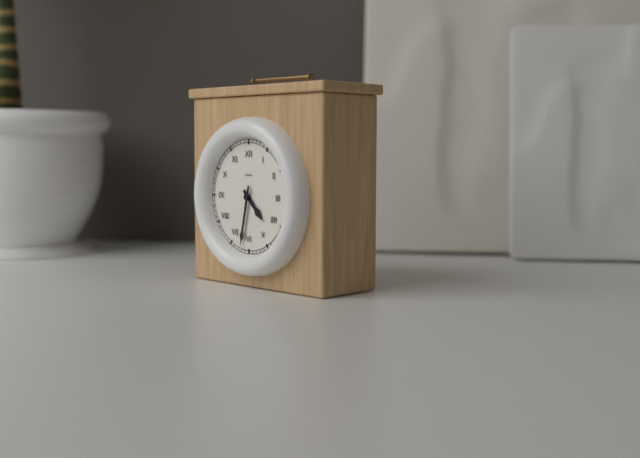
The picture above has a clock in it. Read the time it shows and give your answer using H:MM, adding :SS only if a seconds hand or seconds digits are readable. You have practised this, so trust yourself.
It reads 4:32
